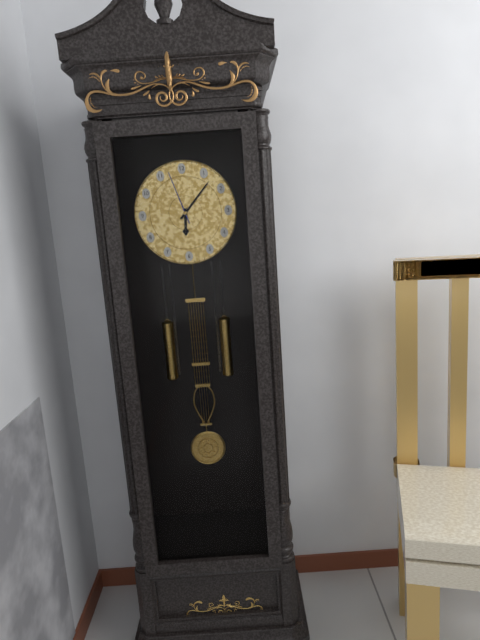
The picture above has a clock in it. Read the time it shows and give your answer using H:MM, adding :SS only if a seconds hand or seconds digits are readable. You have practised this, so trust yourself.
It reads 6:07:57
